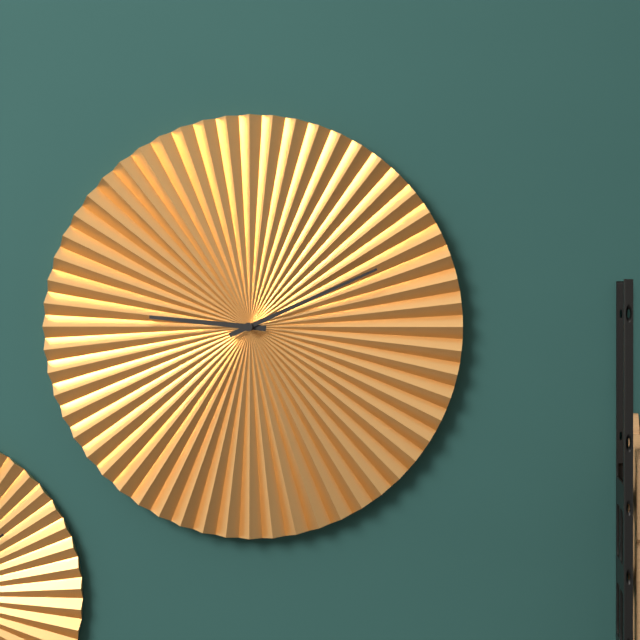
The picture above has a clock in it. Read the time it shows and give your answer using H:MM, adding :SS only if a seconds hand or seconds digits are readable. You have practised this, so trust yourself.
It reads 9:11
